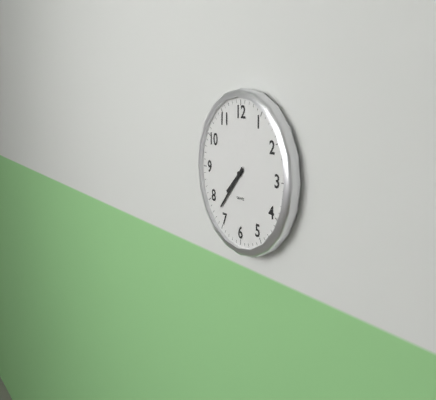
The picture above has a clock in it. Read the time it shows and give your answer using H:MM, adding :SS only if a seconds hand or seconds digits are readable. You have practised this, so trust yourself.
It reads 7:37
